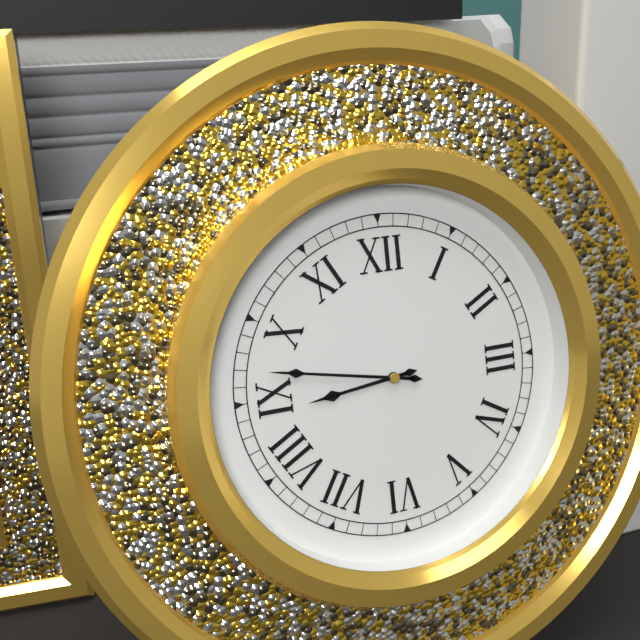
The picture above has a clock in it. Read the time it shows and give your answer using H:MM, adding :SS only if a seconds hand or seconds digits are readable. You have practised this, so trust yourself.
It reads 8:47
